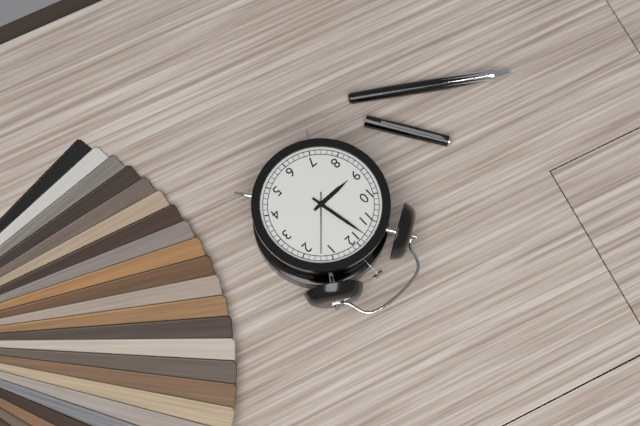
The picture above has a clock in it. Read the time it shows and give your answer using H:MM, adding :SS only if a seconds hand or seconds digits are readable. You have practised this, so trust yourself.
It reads 8:58:07
